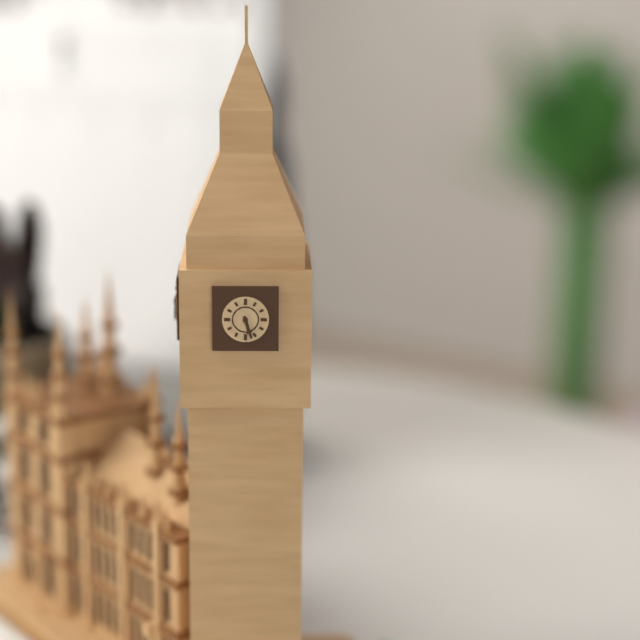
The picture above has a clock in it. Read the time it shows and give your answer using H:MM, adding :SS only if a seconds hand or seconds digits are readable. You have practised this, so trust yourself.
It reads 5:27
